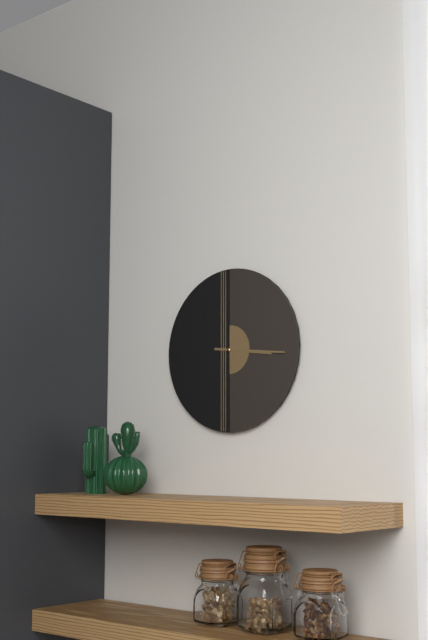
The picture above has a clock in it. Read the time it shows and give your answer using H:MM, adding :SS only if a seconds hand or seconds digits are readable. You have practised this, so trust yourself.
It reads 3:16
